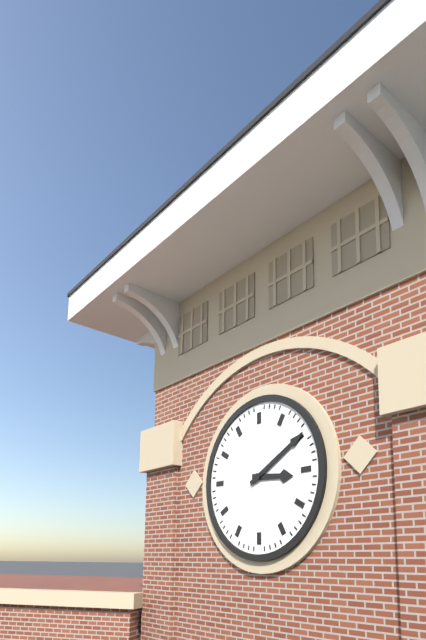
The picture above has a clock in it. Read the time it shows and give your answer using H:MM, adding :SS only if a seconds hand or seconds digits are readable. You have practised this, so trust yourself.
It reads 3:10
